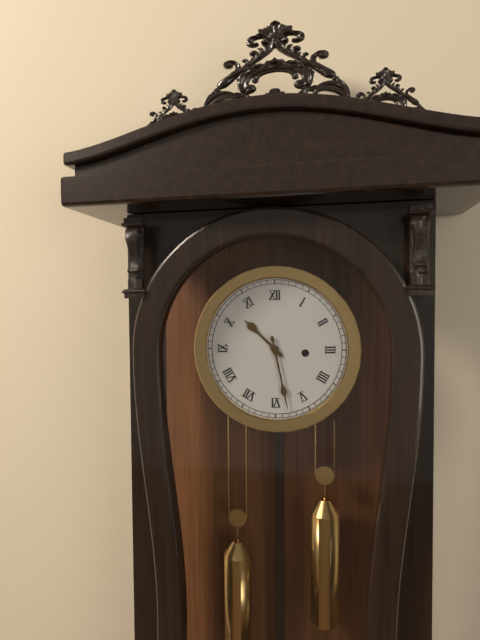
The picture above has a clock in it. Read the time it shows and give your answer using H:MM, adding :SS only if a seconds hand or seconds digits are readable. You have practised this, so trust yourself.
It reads 10:28
